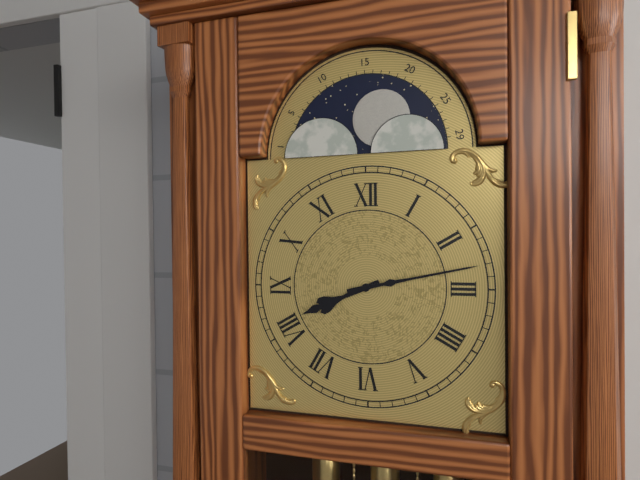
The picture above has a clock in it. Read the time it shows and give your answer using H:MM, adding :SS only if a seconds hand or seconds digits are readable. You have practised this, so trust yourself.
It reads 8:13
